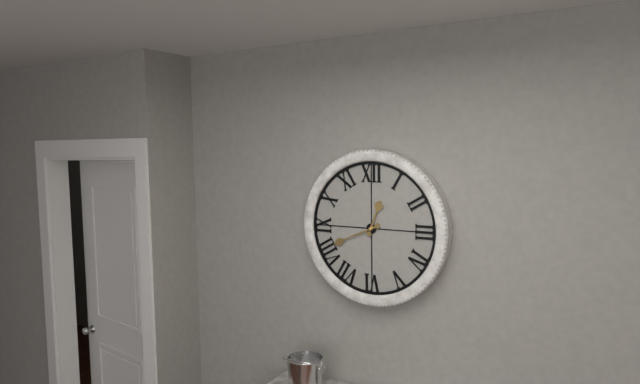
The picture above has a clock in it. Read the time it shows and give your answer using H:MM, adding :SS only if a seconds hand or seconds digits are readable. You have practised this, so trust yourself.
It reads 12:41
